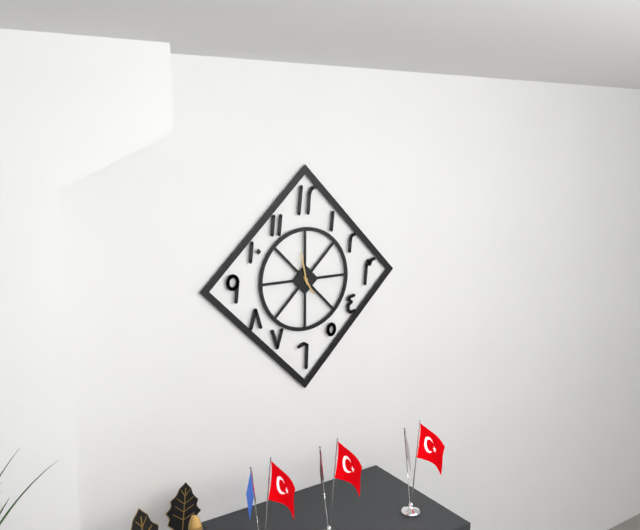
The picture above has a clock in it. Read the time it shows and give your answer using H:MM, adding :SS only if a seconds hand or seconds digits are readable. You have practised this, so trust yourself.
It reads 4:58
